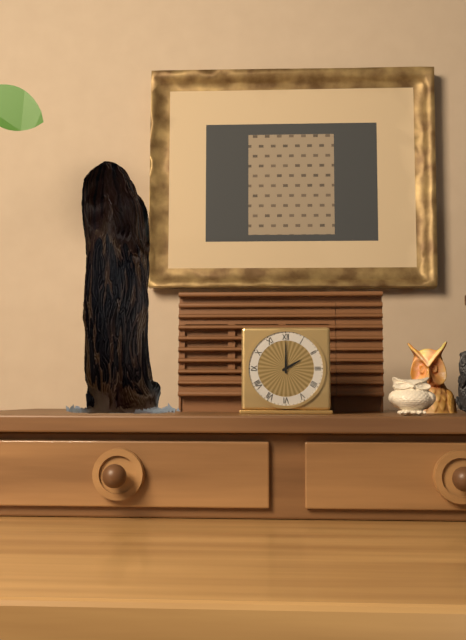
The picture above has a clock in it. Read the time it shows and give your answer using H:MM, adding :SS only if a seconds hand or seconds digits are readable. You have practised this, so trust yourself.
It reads 2:00
